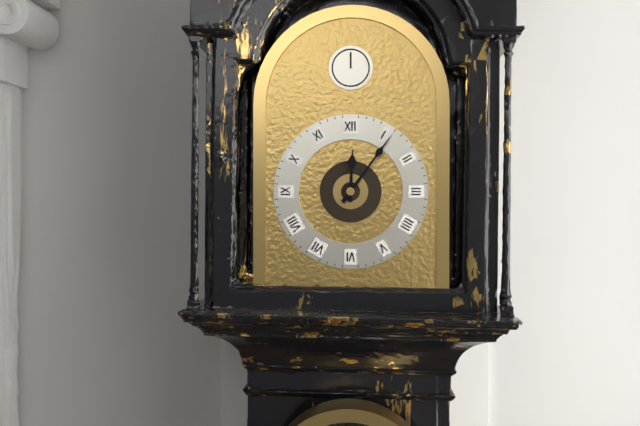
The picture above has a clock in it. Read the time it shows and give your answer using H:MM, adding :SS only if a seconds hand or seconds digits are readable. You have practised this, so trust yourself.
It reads 12:06
